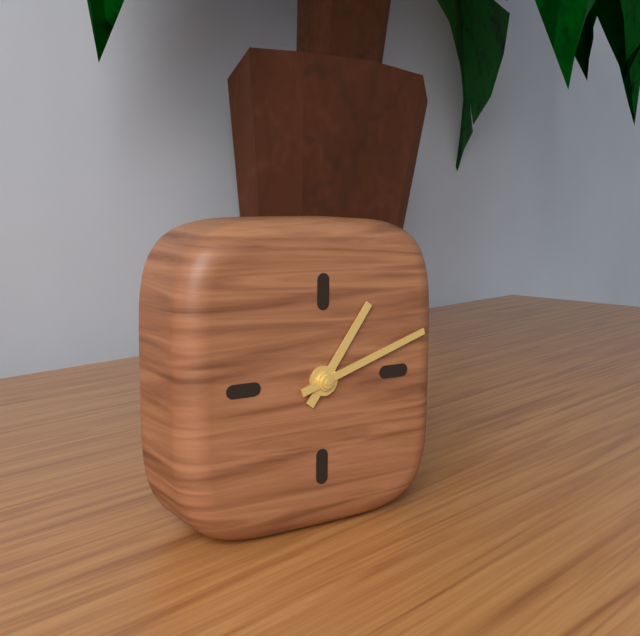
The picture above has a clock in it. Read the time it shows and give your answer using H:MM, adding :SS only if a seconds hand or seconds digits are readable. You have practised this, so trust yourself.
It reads 1:12
